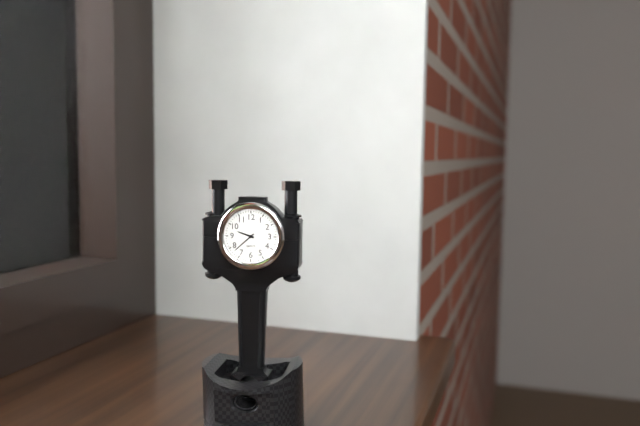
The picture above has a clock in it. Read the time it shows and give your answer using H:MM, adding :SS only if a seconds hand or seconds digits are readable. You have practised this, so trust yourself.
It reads 9:38
